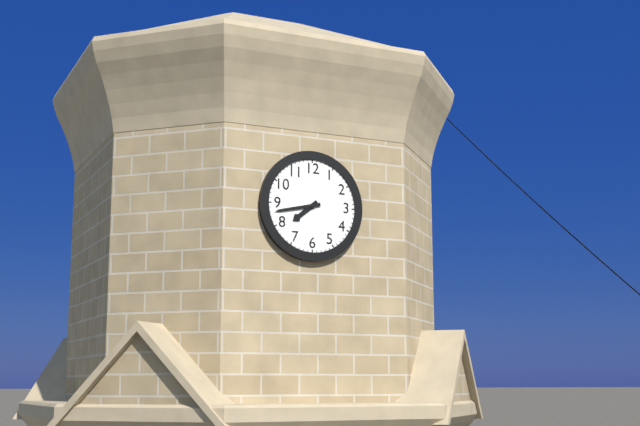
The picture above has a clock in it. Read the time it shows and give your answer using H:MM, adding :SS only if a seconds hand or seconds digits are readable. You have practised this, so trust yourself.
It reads 7:43
